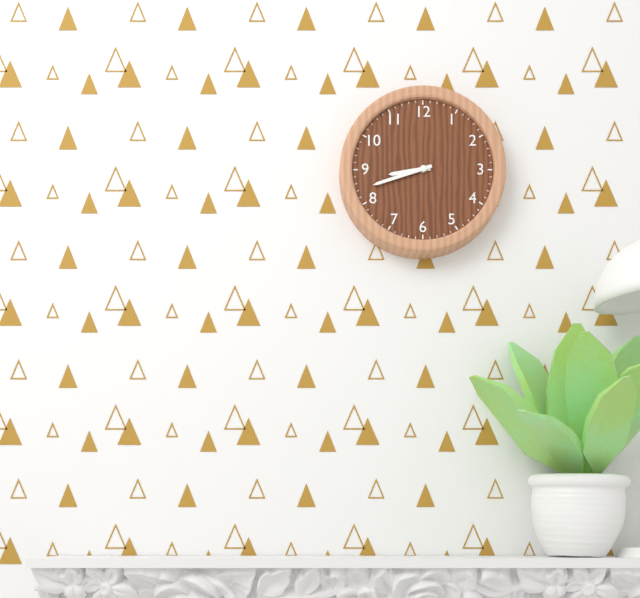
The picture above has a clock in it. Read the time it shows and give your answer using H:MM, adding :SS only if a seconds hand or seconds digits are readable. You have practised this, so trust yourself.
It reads 8:42
